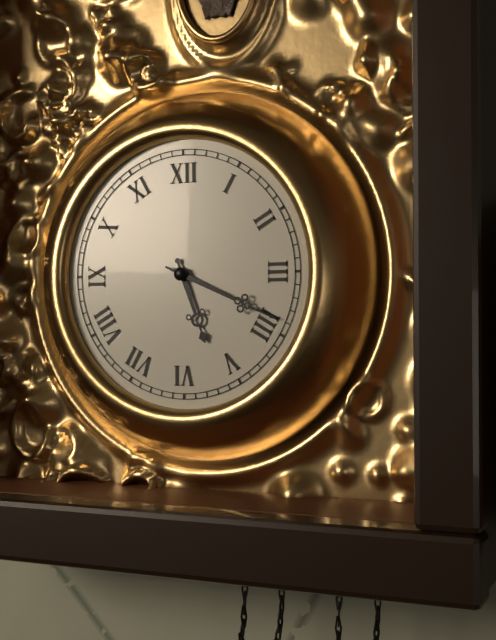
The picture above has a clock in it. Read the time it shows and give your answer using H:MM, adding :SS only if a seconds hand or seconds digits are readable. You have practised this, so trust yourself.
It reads 5:19
